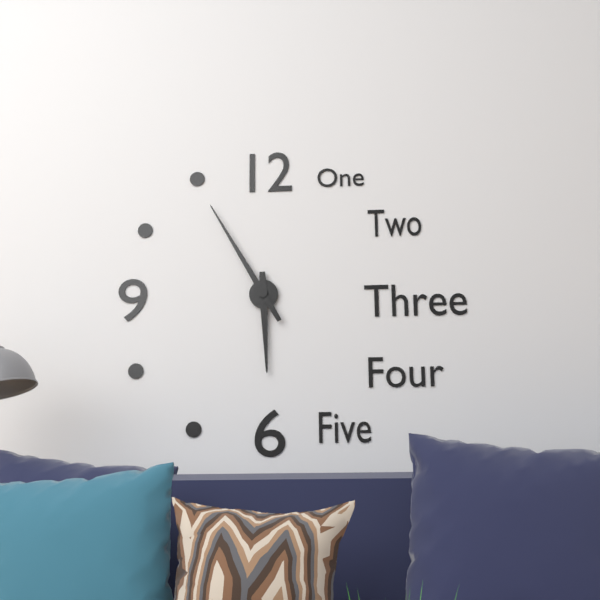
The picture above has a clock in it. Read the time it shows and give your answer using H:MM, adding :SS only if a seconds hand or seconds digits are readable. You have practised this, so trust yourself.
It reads 5:55
